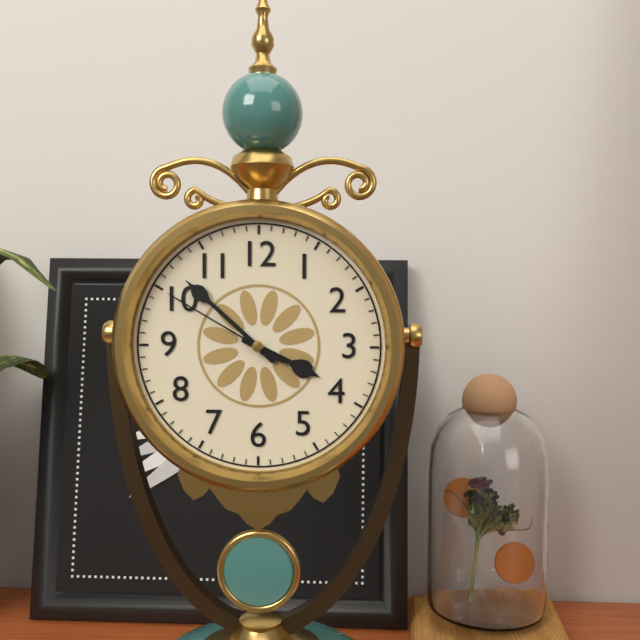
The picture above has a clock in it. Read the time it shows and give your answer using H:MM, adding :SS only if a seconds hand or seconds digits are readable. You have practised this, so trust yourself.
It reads 3:52:50
